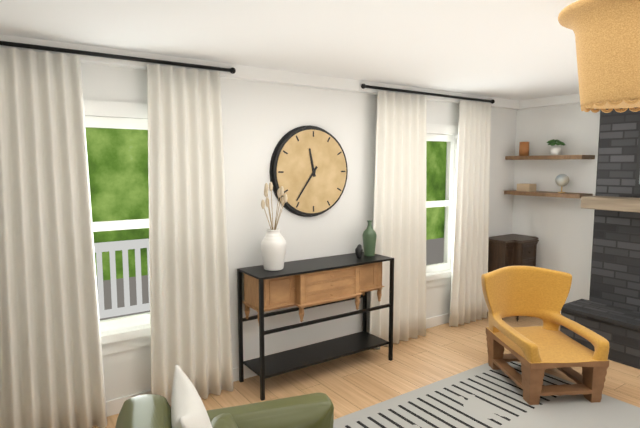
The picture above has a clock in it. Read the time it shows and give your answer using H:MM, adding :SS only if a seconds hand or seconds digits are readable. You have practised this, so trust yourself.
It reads 11:36
